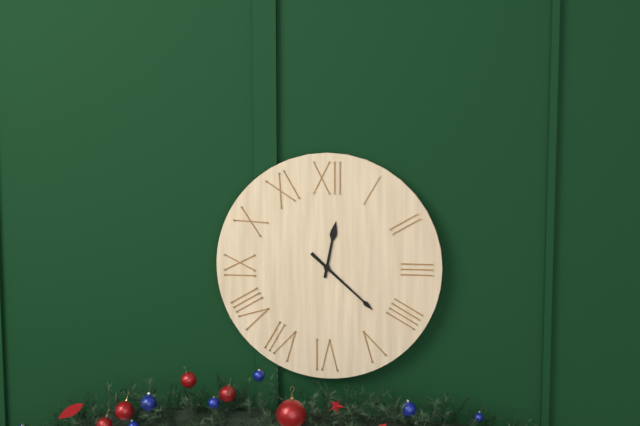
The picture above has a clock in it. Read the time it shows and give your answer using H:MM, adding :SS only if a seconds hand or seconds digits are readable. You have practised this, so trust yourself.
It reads 12:22
